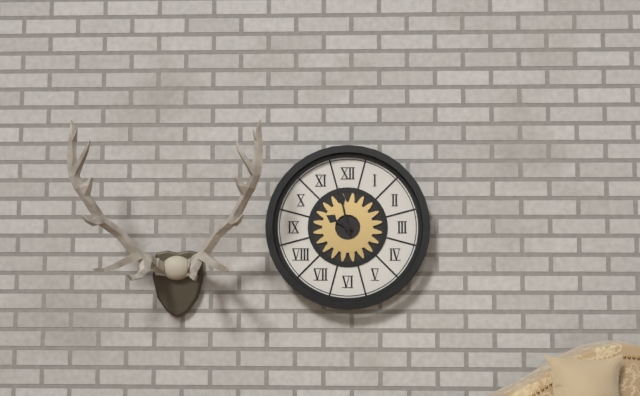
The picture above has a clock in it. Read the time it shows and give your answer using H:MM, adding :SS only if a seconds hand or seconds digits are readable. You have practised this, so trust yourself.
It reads 9:58
